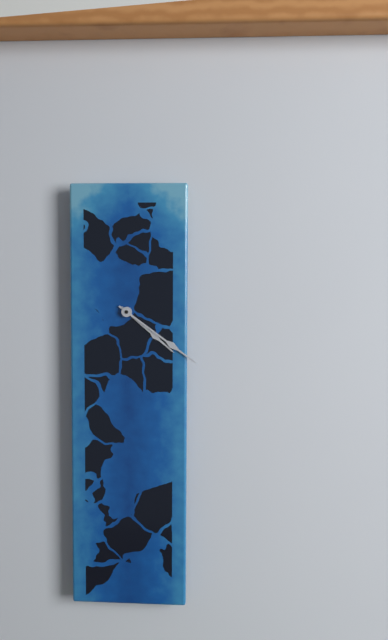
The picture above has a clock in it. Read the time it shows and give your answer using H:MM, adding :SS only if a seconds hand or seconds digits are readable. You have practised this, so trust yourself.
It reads 4:21
